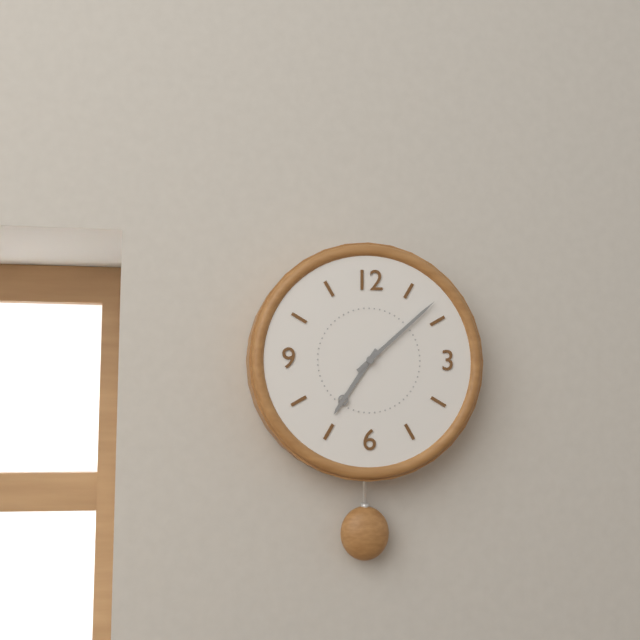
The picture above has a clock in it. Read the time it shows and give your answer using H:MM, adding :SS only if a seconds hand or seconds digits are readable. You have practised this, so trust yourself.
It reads 7:08
